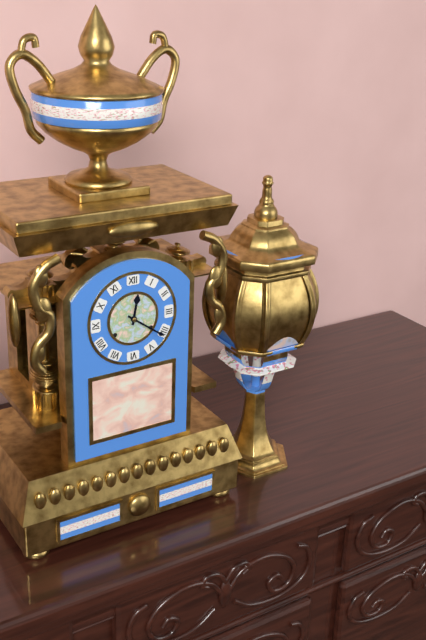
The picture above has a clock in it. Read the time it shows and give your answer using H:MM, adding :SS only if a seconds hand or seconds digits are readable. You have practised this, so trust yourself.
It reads 12:21
